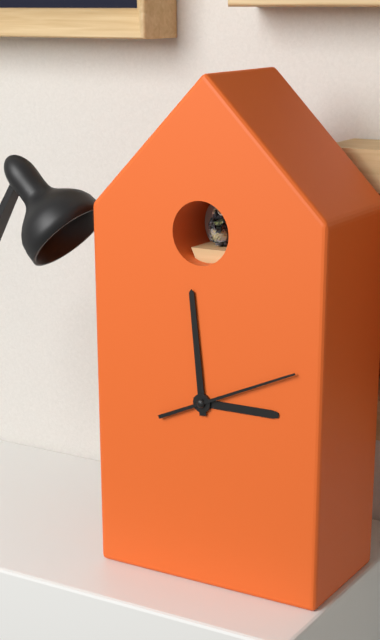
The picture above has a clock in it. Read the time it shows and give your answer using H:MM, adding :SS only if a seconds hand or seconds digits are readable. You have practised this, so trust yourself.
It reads 2:59:11
